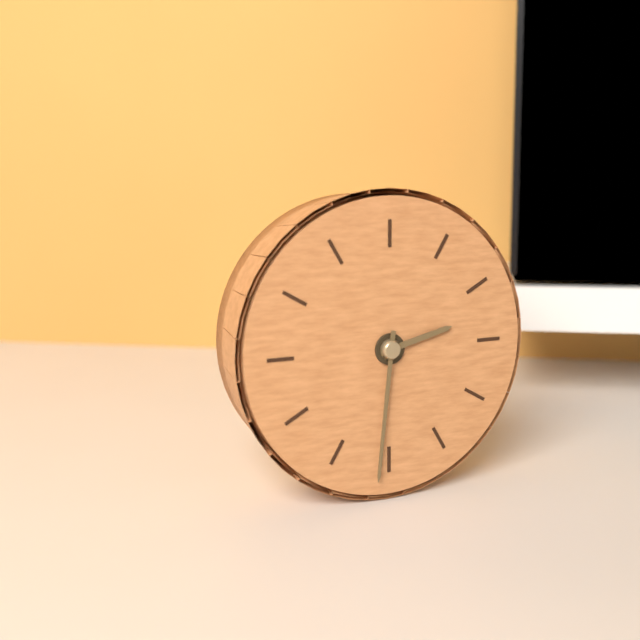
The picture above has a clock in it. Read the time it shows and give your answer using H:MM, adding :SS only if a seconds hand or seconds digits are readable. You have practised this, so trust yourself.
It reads 2:31
